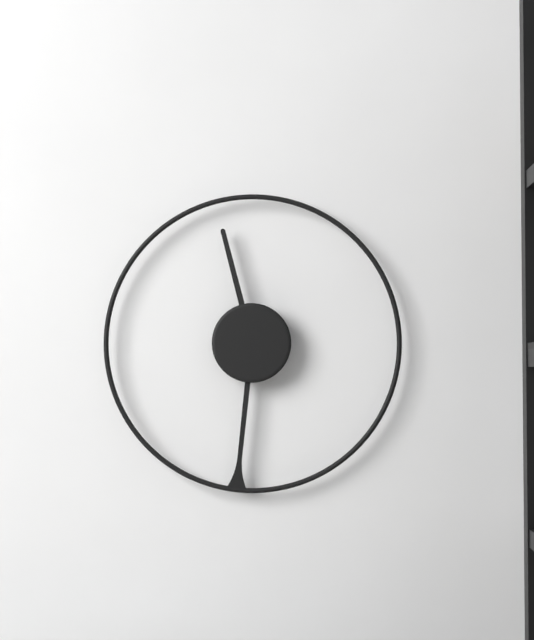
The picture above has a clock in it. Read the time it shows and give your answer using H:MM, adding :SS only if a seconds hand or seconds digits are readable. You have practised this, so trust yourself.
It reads 11:31
